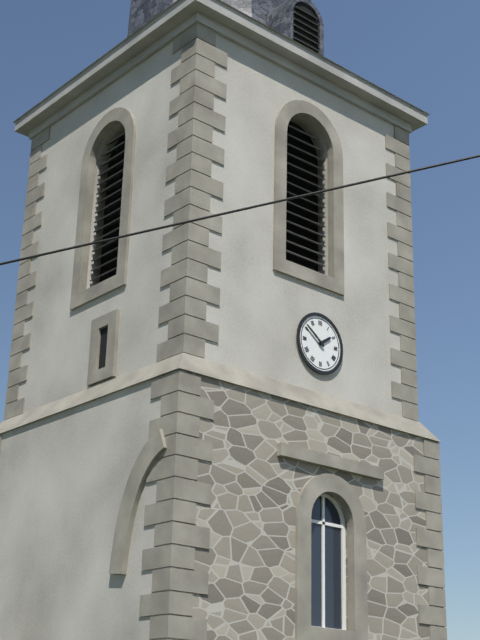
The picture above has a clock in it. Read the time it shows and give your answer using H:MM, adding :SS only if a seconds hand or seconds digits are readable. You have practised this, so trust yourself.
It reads 1:51
